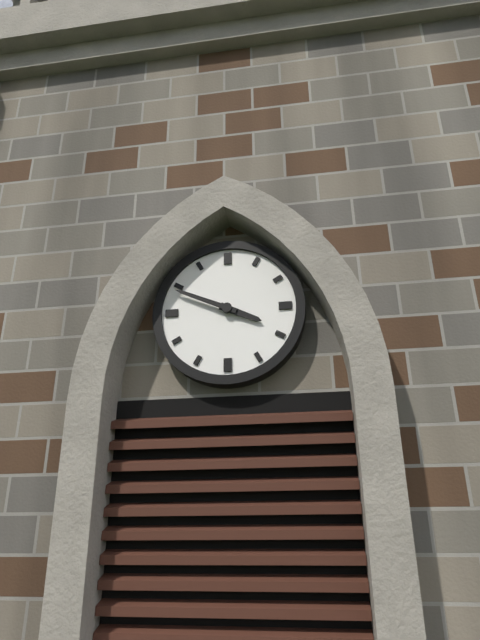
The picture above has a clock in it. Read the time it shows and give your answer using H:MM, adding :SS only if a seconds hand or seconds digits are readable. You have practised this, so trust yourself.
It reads 3:49
